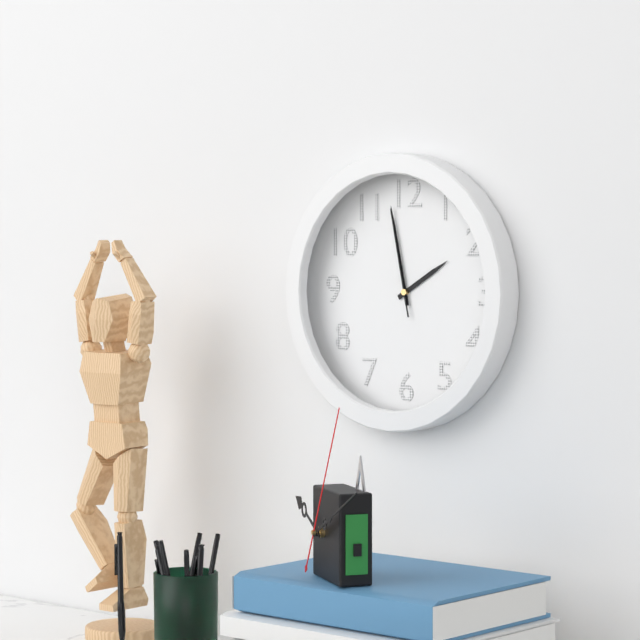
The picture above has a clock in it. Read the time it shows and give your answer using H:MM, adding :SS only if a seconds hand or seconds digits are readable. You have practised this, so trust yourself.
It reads 1:58:58
